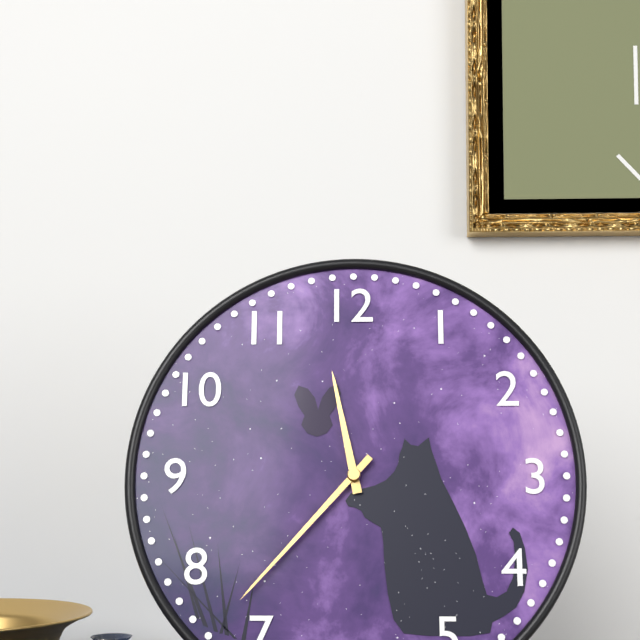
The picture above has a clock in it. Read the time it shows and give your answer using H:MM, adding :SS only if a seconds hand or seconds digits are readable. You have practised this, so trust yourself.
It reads 11:37
